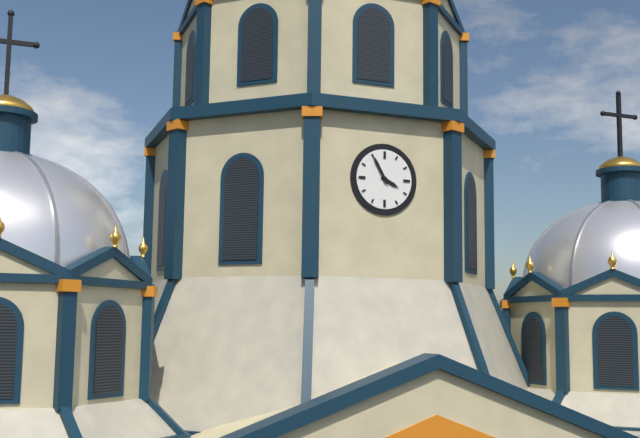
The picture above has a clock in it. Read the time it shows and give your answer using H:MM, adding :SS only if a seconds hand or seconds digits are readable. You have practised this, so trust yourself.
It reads 3:55
